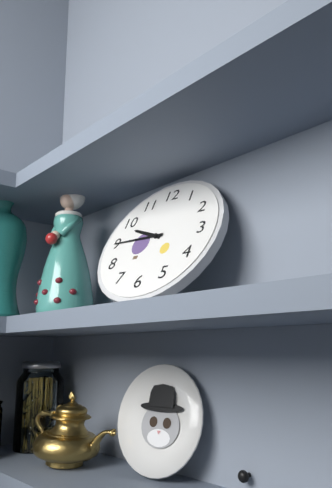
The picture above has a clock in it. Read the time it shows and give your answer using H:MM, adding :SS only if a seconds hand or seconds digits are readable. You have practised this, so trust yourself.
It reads 9:45
